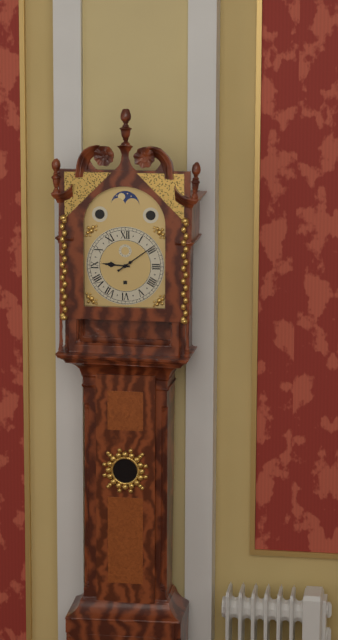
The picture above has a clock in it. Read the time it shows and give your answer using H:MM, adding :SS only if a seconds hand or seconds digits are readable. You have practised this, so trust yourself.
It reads 9:09
